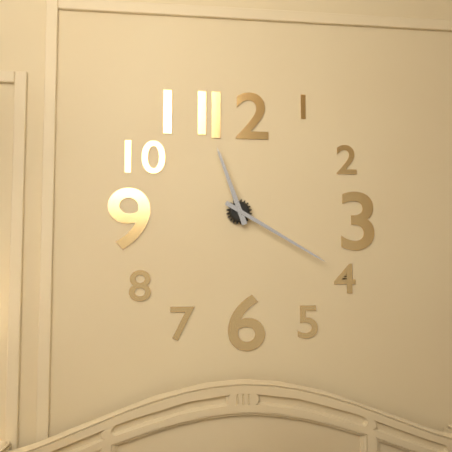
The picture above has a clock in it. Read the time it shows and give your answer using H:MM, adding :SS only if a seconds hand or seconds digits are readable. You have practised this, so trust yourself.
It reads 11:20
